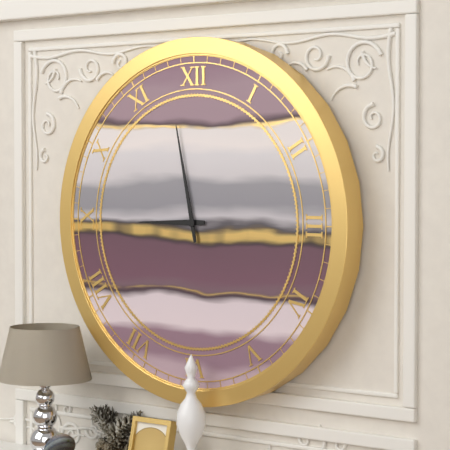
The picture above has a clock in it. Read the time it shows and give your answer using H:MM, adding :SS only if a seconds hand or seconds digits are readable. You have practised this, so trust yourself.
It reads 8:58
